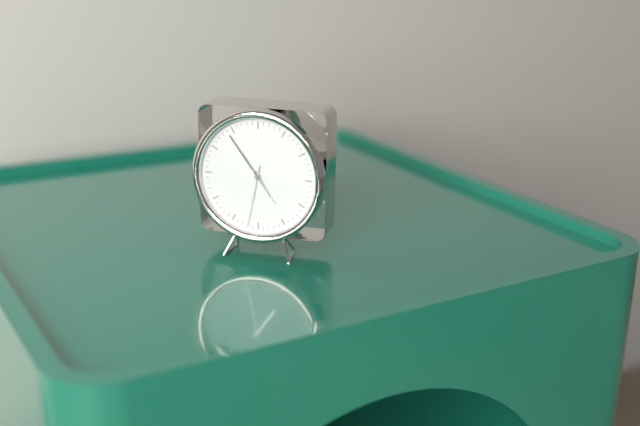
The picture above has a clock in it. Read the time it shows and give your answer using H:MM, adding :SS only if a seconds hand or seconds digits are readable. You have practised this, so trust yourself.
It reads 4:54:32
